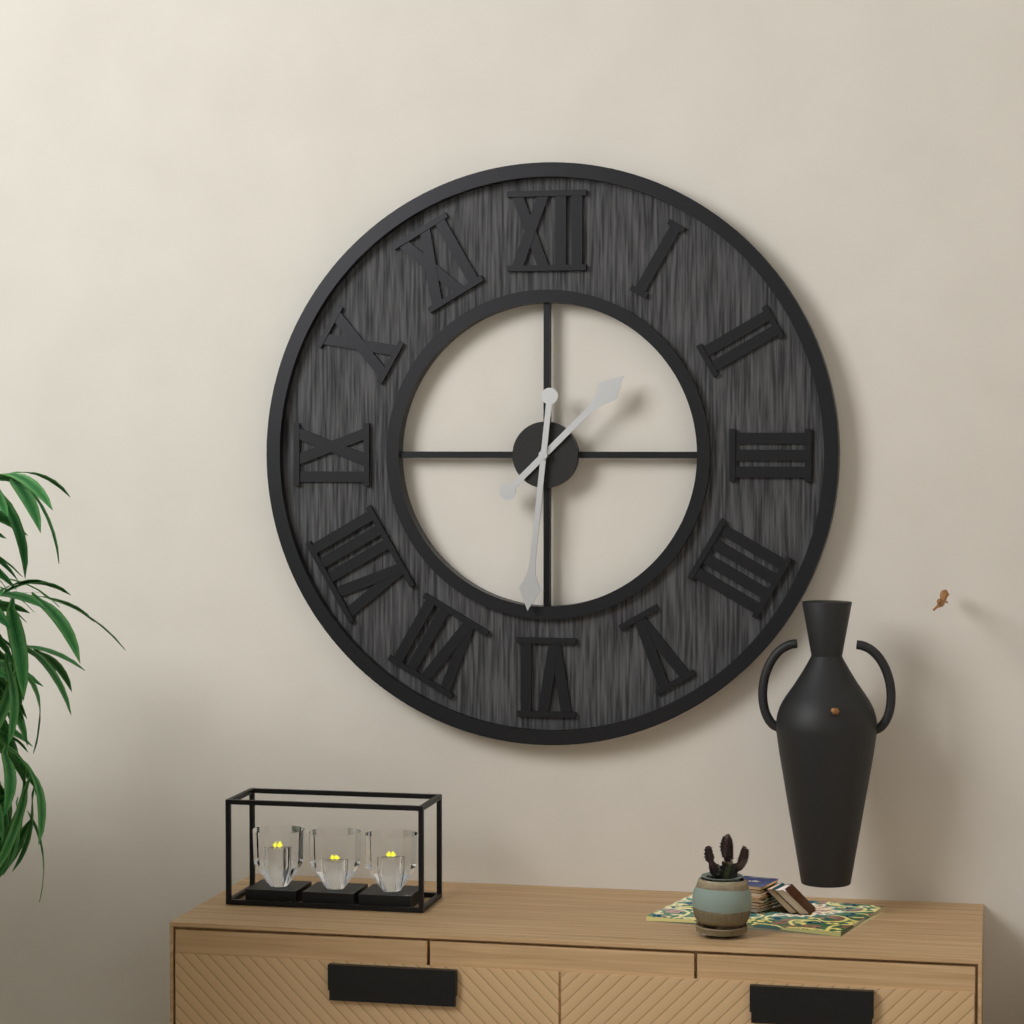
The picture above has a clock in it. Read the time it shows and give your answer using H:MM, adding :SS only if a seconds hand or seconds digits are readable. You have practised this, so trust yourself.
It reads 1:31
